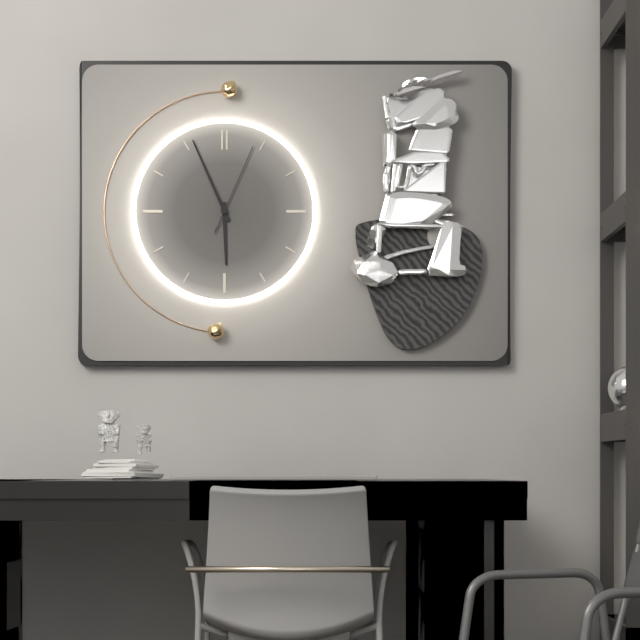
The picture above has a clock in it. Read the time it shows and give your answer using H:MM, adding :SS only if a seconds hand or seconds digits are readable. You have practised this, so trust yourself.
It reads 5:56:04
